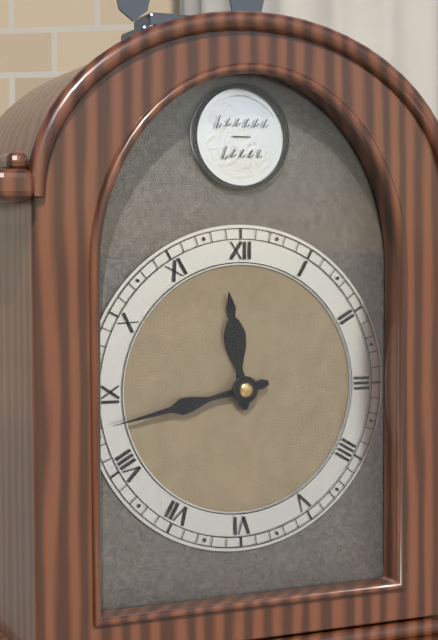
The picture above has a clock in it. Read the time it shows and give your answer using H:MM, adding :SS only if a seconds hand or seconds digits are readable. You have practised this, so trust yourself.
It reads 11:43
